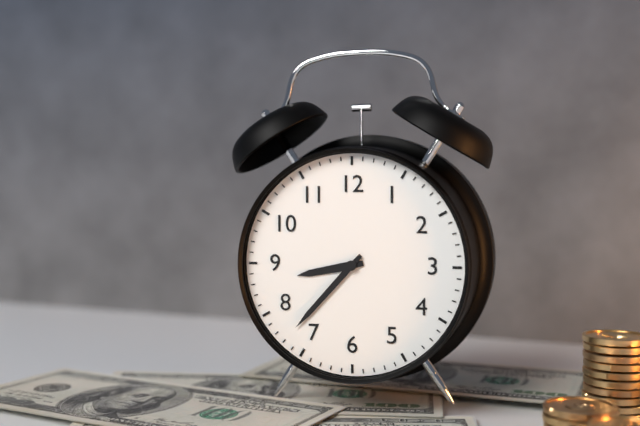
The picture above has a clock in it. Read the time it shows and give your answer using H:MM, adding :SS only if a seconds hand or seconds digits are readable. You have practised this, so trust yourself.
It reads 8:37
